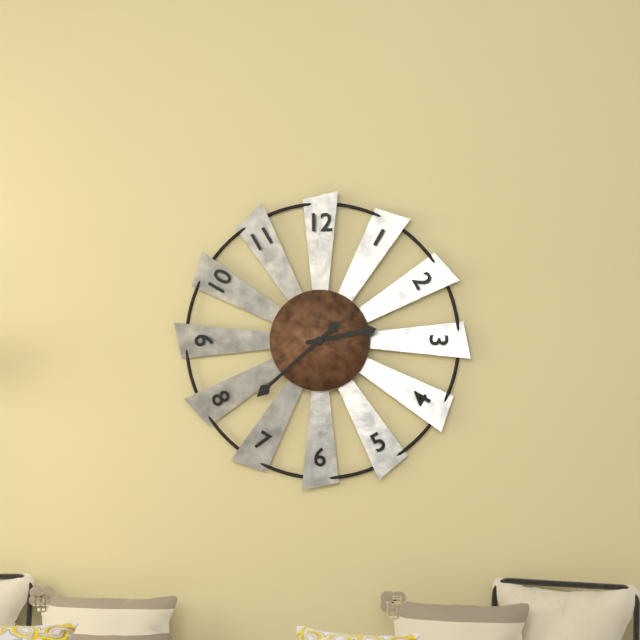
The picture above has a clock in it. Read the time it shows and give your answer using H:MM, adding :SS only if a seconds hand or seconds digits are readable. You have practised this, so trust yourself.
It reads 2:38
